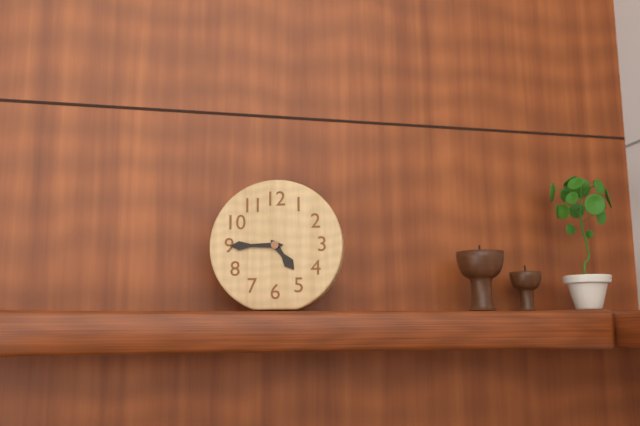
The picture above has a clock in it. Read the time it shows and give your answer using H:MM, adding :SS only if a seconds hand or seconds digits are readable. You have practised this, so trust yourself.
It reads 4:45
